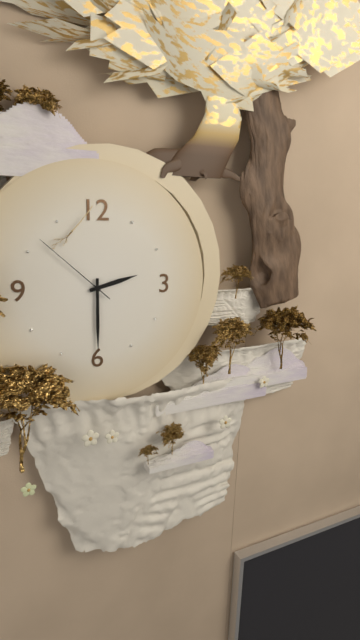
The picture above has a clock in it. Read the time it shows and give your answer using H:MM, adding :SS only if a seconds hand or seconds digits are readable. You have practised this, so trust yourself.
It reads 2:30:52
